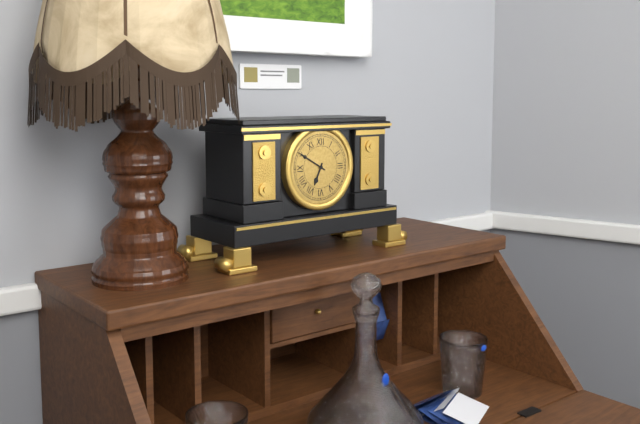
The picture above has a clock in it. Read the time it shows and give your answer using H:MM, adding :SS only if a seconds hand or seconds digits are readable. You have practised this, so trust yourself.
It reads 6:50
